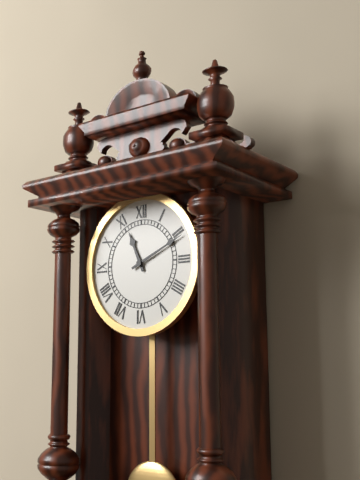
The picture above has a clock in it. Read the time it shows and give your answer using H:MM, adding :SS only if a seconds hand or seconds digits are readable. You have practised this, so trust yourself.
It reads 11:11
